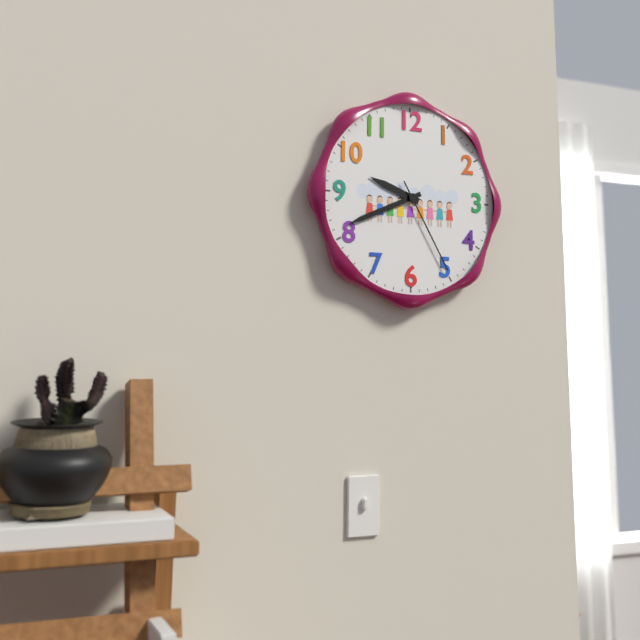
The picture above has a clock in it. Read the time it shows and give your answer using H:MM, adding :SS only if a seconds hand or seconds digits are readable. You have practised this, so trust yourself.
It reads 9:41:25
